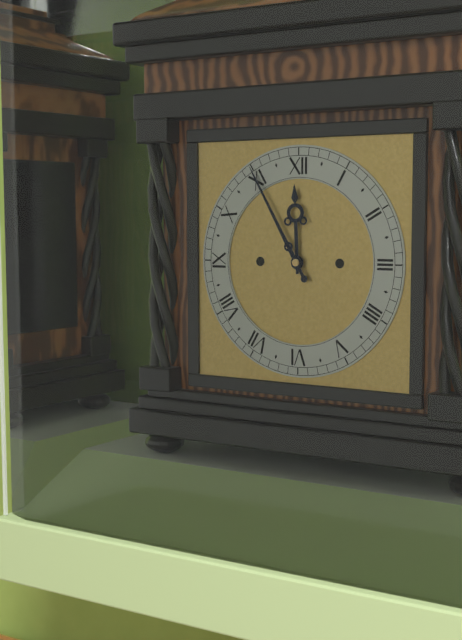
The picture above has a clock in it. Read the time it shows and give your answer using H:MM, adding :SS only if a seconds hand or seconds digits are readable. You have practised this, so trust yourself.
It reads 11:55
